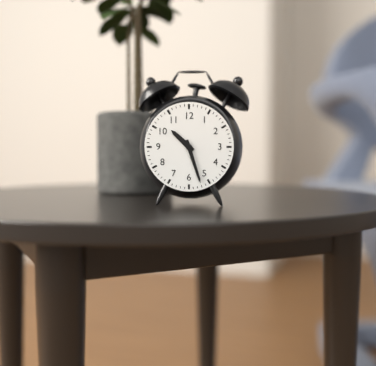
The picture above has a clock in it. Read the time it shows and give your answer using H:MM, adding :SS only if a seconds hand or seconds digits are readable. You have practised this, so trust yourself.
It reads 10:27
